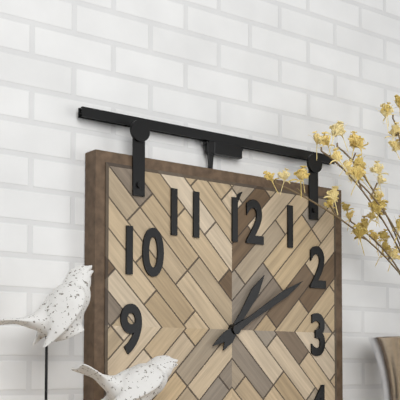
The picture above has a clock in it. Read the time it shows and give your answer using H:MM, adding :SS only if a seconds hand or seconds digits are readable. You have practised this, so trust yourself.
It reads 1:10
